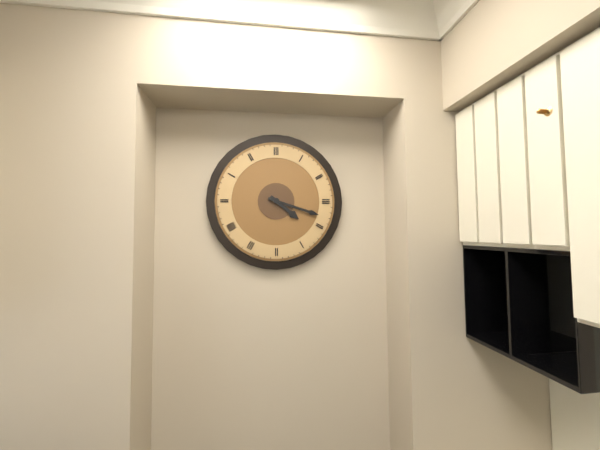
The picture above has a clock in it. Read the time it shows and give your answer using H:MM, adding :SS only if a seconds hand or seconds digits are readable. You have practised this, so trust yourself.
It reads 4:18
